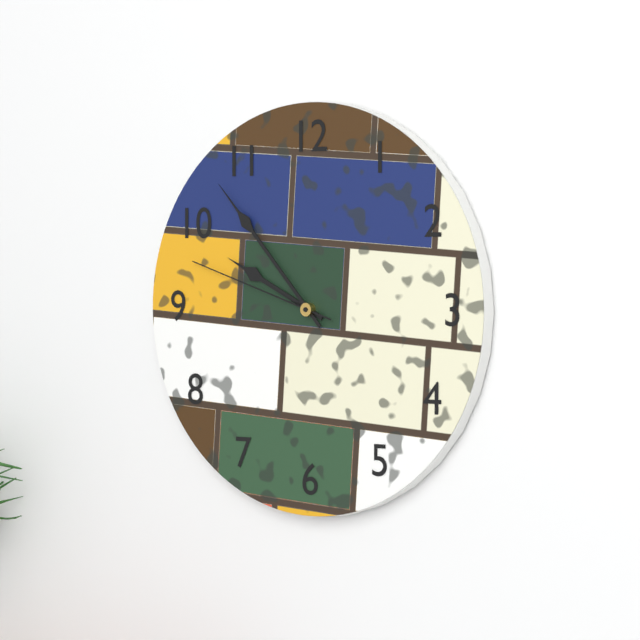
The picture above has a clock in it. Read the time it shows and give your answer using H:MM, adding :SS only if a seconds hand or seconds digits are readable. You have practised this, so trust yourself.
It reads 9:53:48
